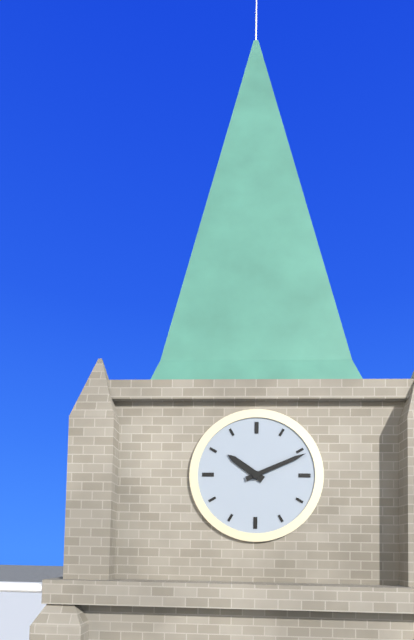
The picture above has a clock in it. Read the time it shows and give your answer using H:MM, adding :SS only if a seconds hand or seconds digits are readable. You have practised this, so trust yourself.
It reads 10:11
